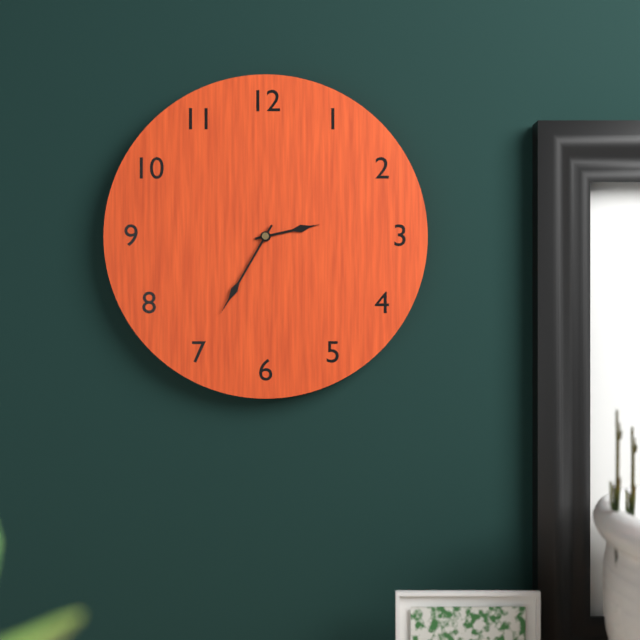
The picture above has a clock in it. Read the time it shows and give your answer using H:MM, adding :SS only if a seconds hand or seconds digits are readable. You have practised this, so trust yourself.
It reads 2:35
